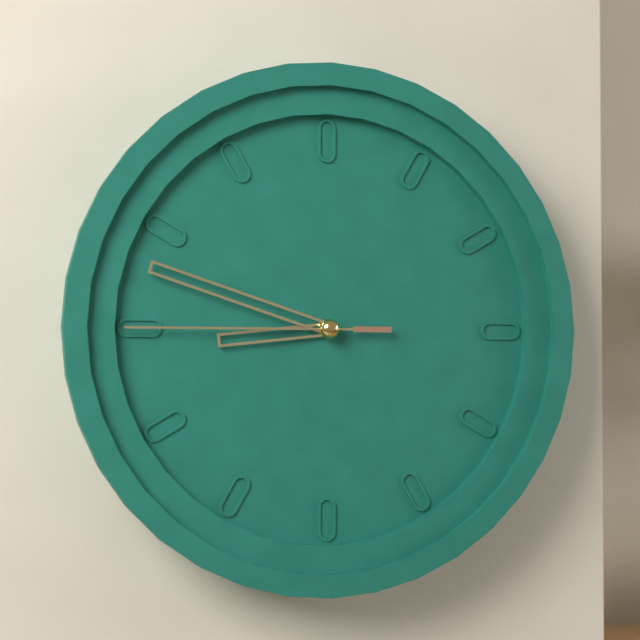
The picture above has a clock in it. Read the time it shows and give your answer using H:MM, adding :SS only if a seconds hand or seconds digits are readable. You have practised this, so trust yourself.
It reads 8:48:45
